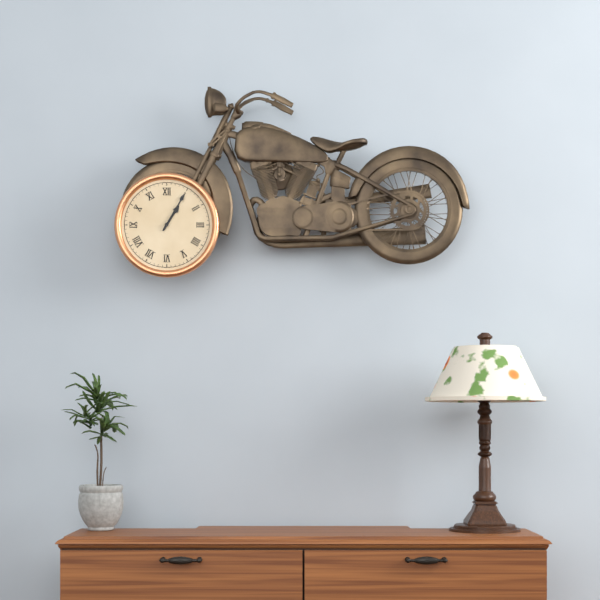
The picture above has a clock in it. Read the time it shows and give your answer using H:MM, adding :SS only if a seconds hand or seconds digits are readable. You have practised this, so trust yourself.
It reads 1:05
